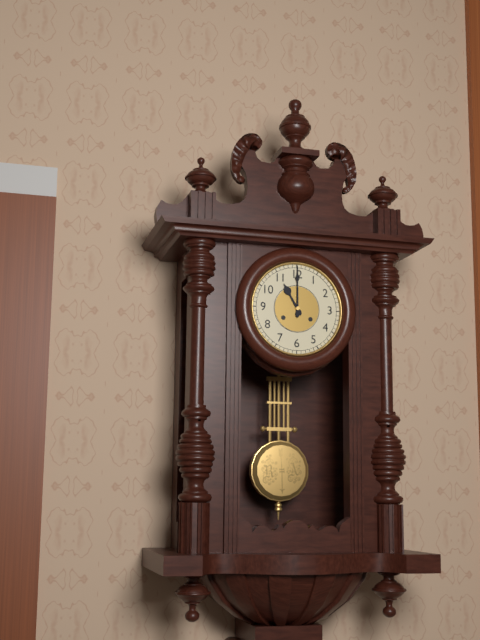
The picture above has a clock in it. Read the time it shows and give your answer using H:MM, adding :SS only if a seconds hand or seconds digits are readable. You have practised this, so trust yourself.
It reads 11:00
